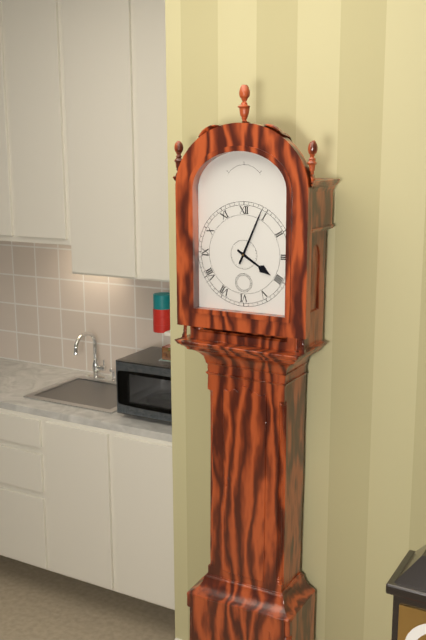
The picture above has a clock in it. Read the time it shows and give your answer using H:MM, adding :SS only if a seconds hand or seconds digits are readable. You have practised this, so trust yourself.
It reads 4:04
